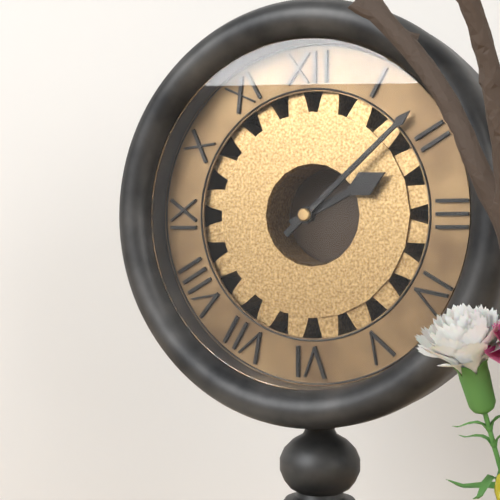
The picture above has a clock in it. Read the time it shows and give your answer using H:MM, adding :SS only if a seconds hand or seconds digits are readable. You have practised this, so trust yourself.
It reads 2:08
